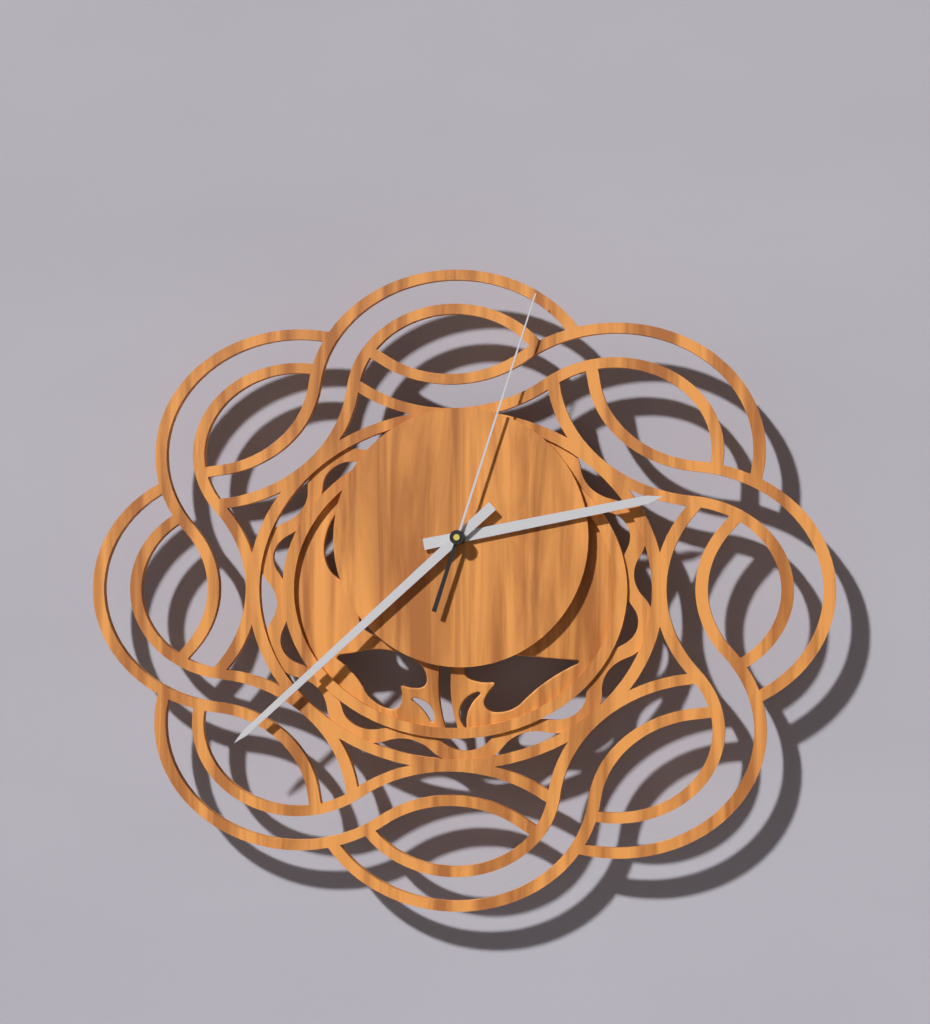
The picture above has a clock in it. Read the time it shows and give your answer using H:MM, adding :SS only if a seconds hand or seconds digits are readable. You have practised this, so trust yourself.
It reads 2:38:03
